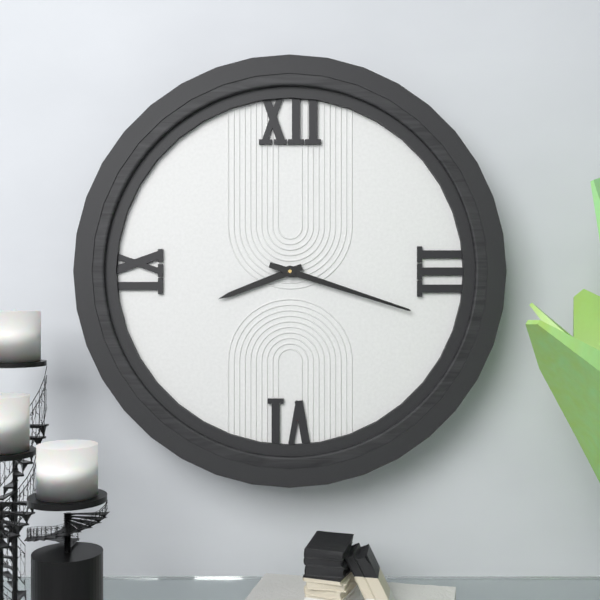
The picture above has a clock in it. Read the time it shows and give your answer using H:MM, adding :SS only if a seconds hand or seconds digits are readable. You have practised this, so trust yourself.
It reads 8:18
